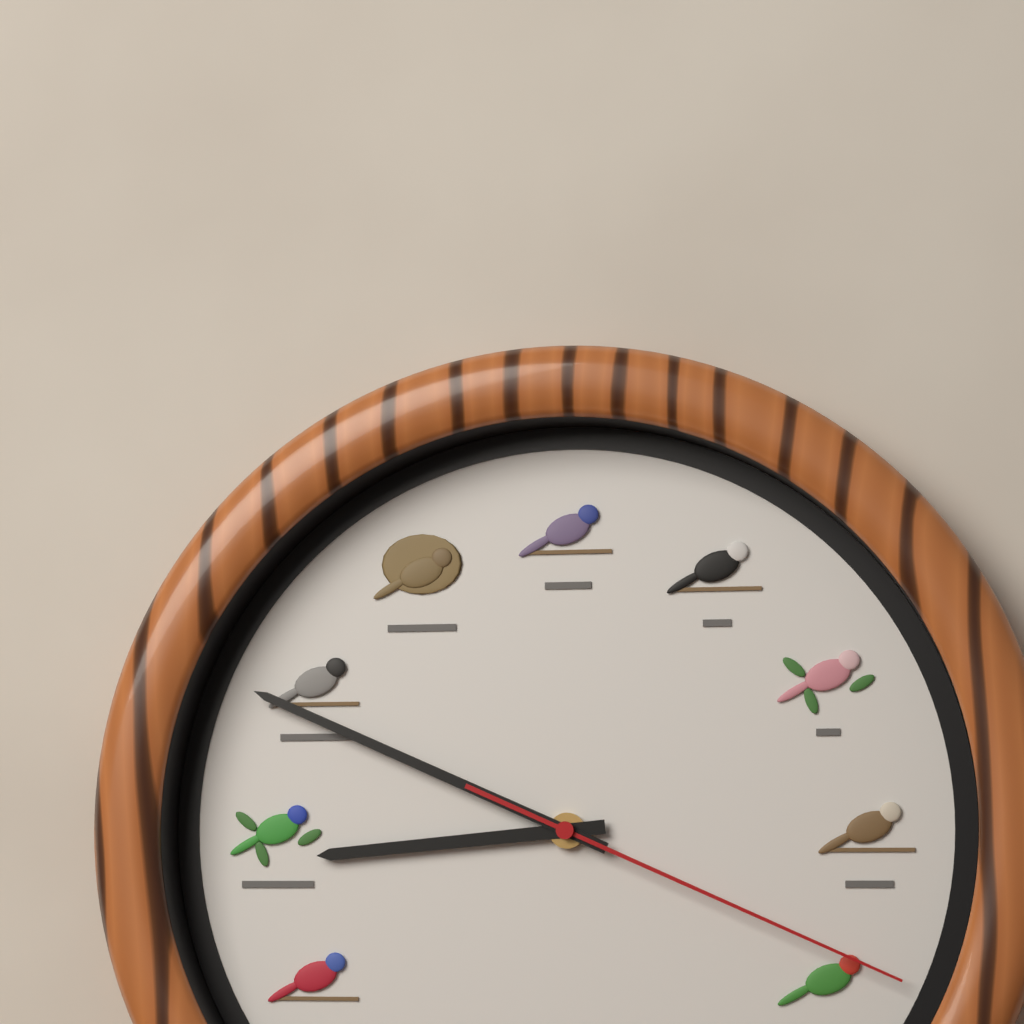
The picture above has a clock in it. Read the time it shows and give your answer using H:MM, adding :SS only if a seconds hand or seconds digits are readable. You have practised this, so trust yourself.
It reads 8:49:19
